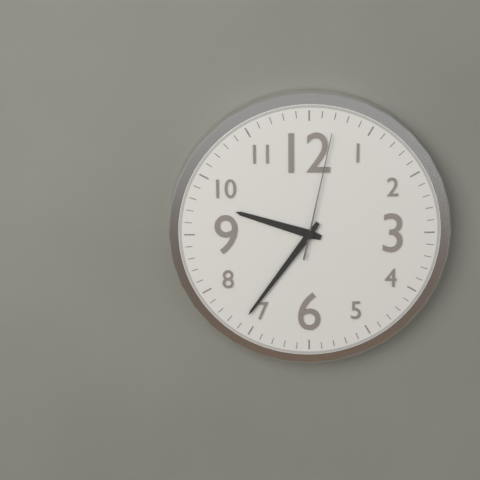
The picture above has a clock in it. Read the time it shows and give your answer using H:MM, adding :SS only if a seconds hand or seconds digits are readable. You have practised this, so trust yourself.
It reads 9:36:02
